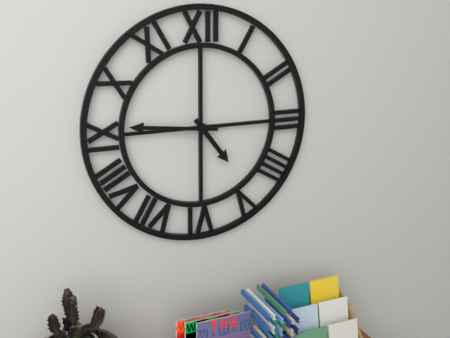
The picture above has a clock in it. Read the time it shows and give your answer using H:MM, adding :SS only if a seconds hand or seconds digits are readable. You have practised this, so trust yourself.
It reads 4:46
